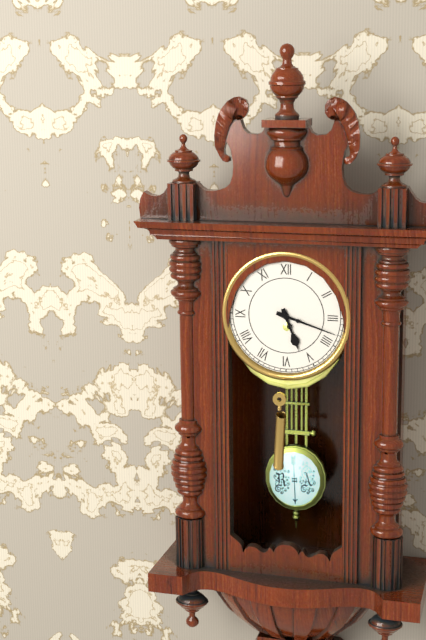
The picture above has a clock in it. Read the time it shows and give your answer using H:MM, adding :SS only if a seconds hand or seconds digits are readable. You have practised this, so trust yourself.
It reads 5:18
